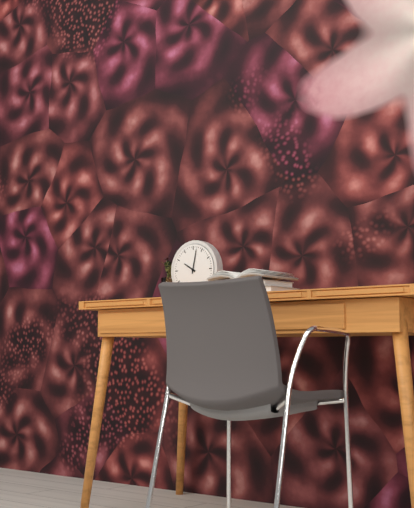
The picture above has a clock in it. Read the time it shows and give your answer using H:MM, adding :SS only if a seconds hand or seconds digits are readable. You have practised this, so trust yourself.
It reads 10:02
